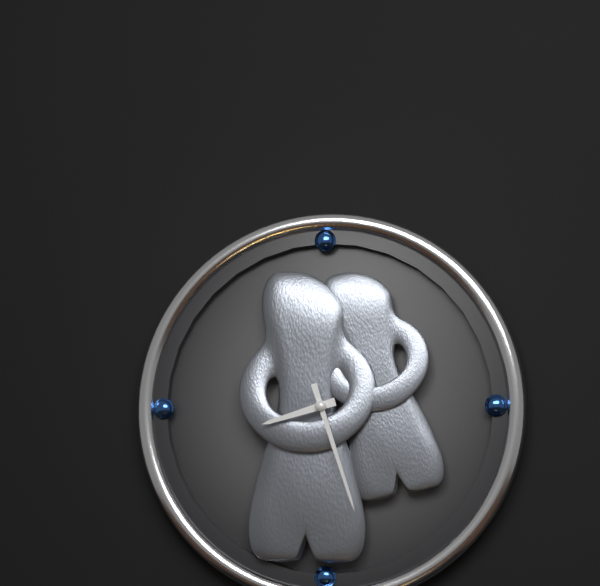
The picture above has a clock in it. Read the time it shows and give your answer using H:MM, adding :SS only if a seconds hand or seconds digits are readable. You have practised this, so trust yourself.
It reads 8:27
